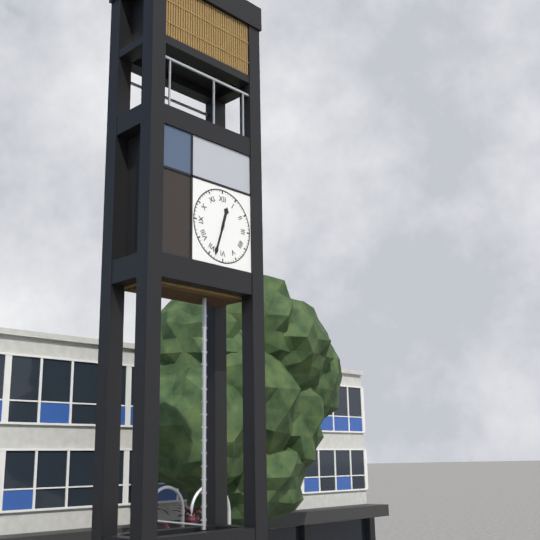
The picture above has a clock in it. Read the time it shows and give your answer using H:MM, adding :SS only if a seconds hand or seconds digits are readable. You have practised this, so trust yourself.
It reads 12:33
